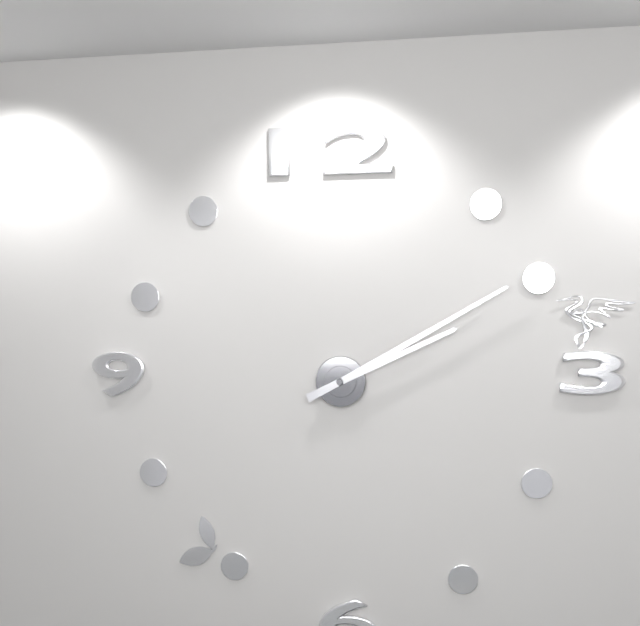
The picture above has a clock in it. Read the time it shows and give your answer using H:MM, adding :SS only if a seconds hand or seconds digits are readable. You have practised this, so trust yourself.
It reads 2:10
